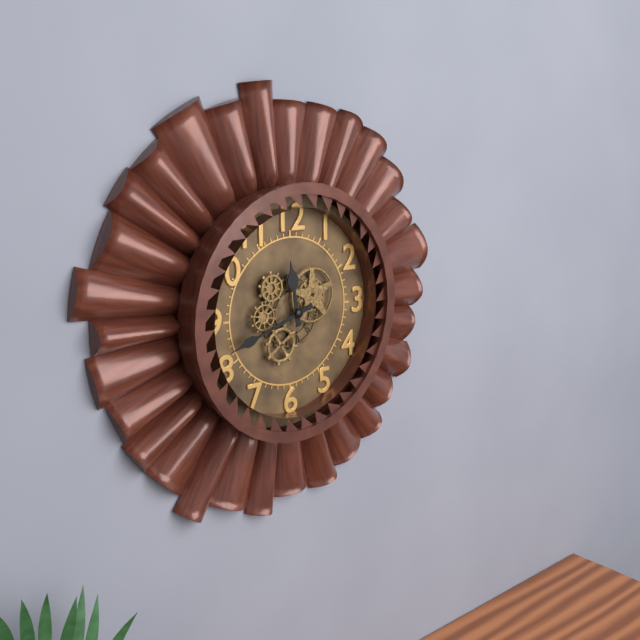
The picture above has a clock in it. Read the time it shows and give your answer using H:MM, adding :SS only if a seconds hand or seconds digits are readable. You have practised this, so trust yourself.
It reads 11:42
